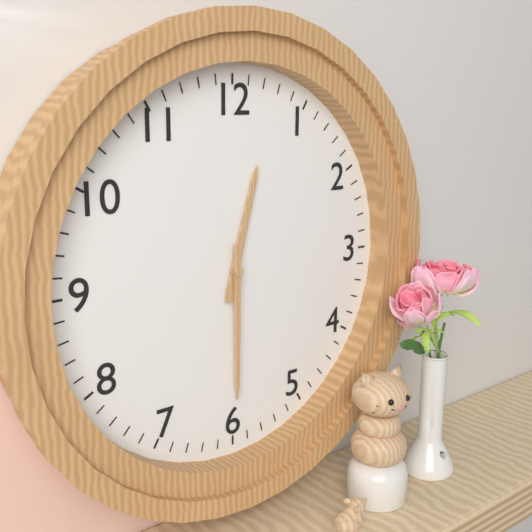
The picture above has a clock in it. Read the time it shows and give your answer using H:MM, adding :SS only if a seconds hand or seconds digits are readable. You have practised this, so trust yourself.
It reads 12:30
